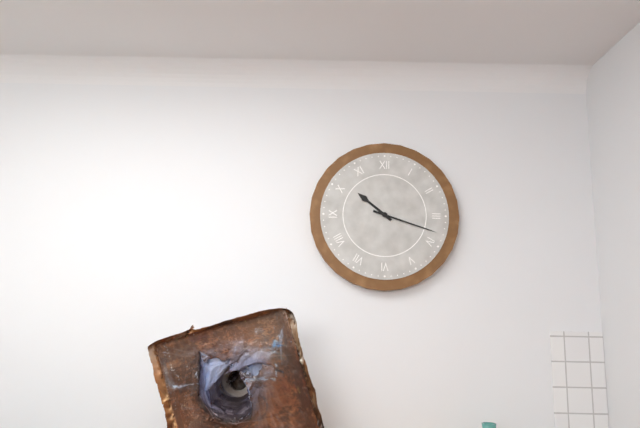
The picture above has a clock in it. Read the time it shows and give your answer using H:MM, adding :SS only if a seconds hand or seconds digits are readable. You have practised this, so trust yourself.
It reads 10:18
